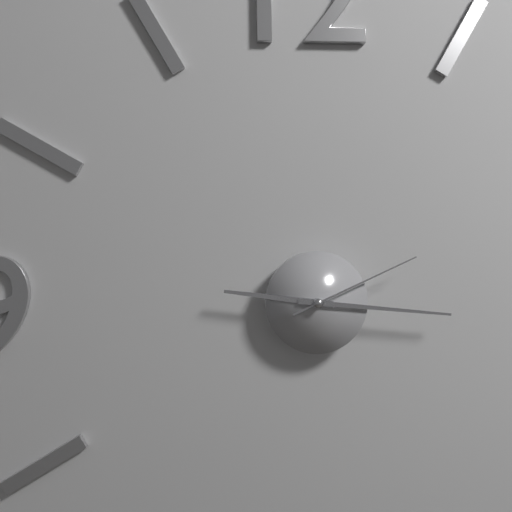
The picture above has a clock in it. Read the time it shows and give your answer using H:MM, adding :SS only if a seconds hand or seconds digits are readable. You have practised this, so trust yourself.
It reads 9:16:11
